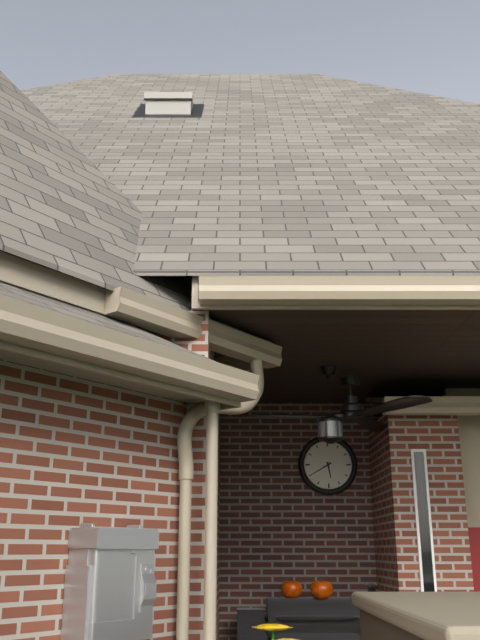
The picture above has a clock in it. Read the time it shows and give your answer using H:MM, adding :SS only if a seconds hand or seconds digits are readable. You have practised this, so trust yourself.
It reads 5:40
